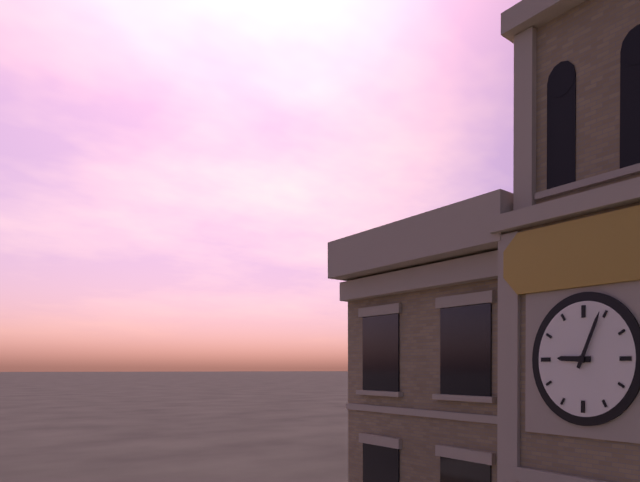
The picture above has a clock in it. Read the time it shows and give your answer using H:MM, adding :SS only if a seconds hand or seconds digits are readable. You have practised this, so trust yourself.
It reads 9:04
